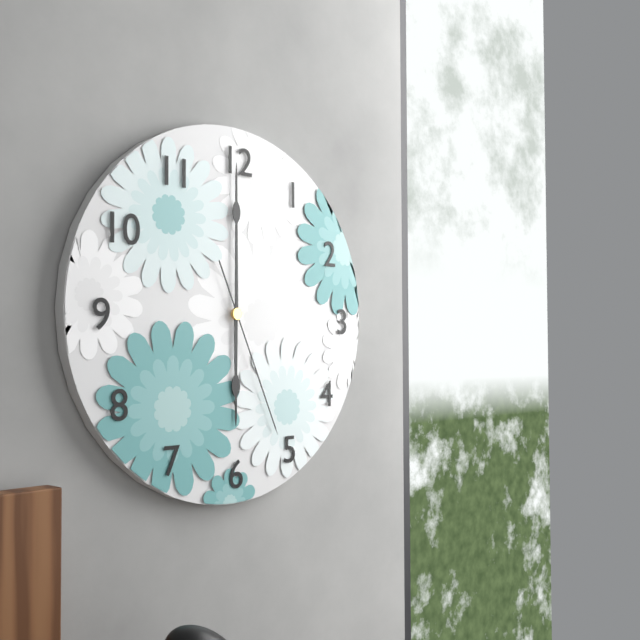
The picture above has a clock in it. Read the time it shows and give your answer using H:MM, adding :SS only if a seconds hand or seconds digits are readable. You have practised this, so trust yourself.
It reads 6:00:26
